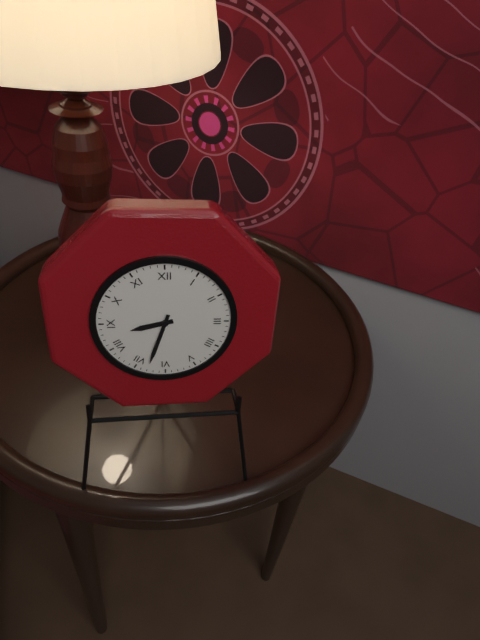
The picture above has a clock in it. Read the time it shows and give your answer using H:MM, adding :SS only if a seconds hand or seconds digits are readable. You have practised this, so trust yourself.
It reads 8:33
